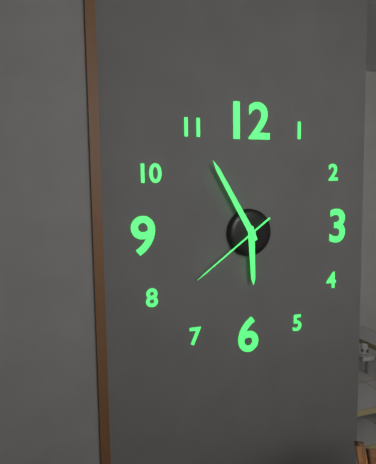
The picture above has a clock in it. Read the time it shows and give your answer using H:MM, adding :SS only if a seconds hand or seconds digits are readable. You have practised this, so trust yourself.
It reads 5:55:39
